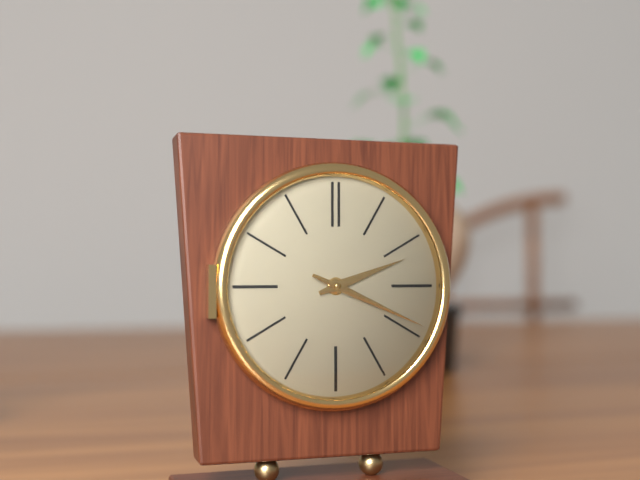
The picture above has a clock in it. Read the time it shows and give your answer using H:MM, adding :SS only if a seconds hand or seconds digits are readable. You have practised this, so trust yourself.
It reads 2:19
